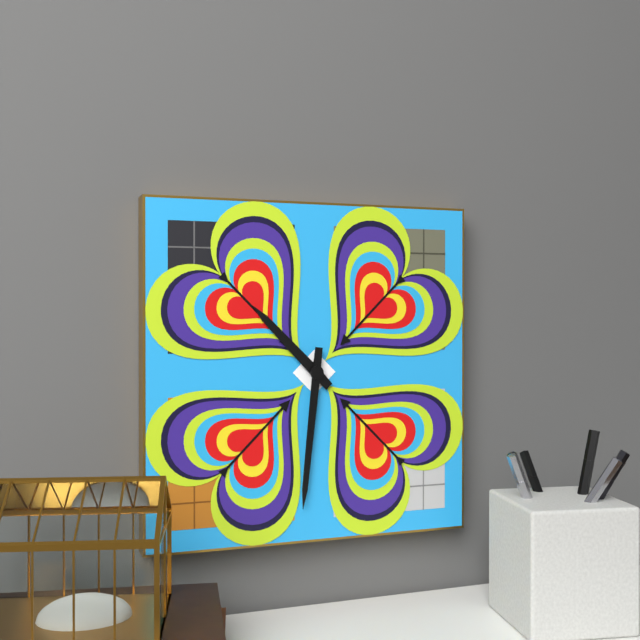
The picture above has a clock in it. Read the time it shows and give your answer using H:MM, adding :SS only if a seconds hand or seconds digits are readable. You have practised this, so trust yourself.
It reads 10:31
